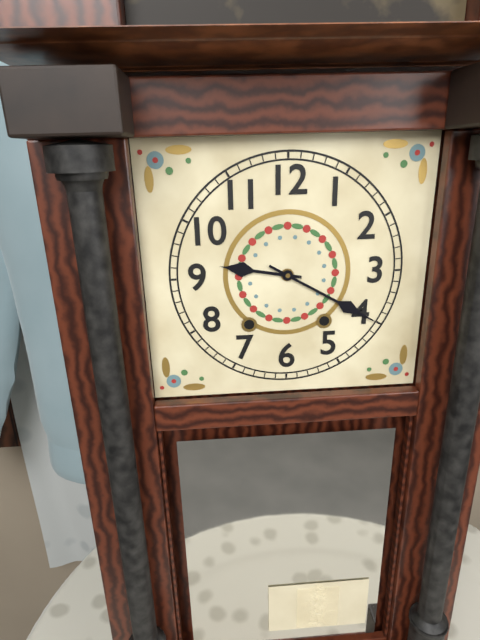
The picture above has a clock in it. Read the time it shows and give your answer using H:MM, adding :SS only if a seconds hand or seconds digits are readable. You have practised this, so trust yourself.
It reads 9:20
